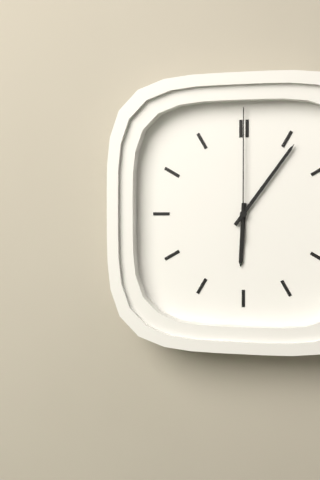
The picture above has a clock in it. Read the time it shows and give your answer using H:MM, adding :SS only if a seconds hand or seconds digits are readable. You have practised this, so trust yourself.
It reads 6:06:00
